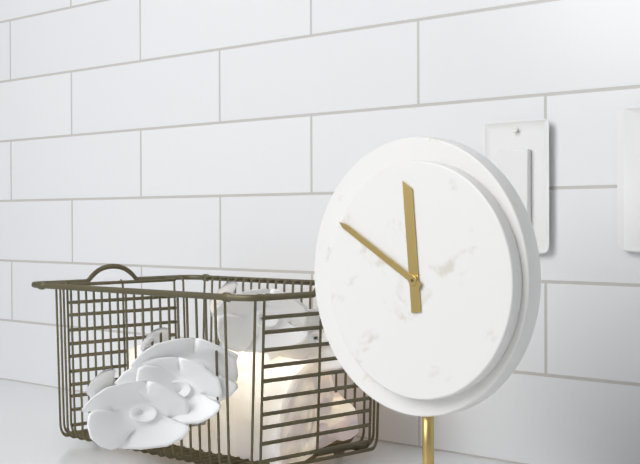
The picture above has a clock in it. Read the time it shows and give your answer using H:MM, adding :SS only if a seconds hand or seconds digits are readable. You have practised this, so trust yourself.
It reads 11:50
